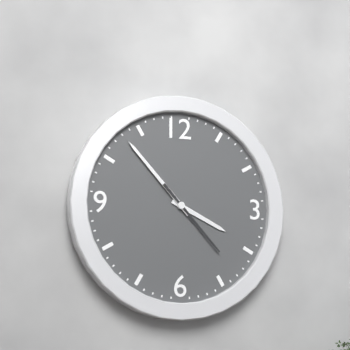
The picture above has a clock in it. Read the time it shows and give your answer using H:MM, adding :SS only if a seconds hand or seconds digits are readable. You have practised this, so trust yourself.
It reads 3:53:23
